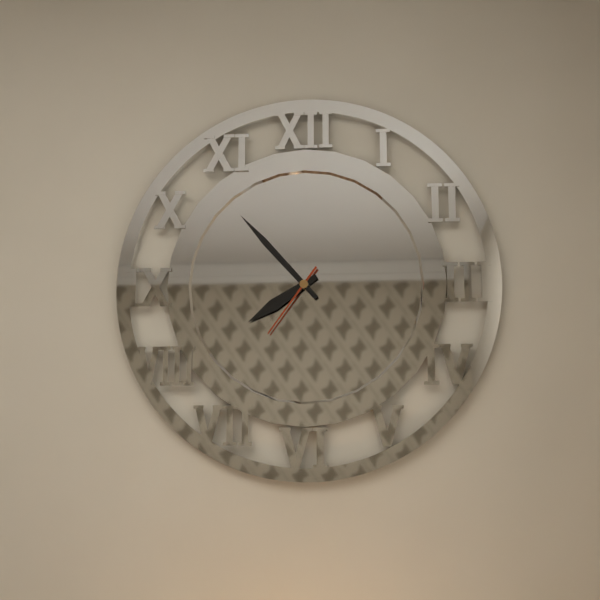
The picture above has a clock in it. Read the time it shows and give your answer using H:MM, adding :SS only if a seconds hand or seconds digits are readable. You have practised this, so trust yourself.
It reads 7:53:36
